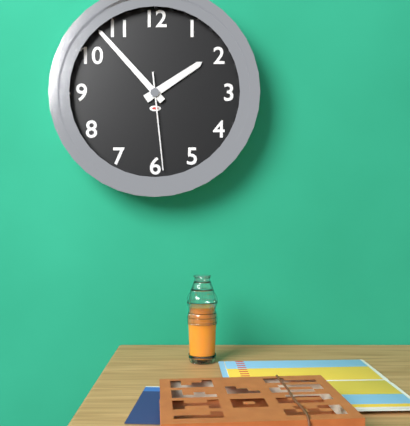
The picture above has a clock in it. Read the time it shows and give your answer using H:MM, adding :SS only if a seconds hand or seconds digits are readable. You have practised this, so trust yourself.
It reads 1:53:29
